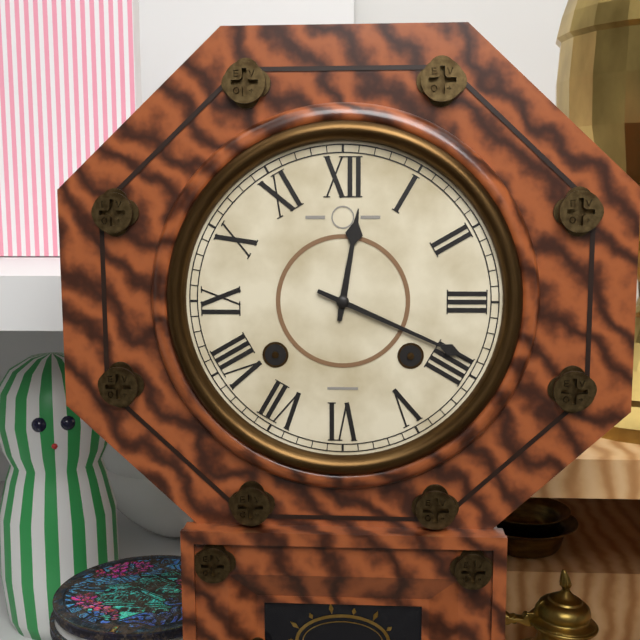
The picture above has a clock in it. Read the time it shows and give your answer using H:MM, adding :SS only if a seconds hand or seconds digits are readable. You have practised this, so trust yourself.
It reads 12:19
